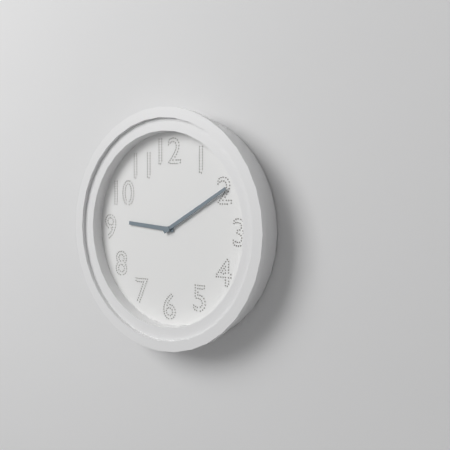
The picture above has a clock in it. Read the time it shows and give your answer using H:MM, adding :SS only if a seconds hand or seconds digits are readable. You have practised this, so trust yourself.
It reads 9:10
